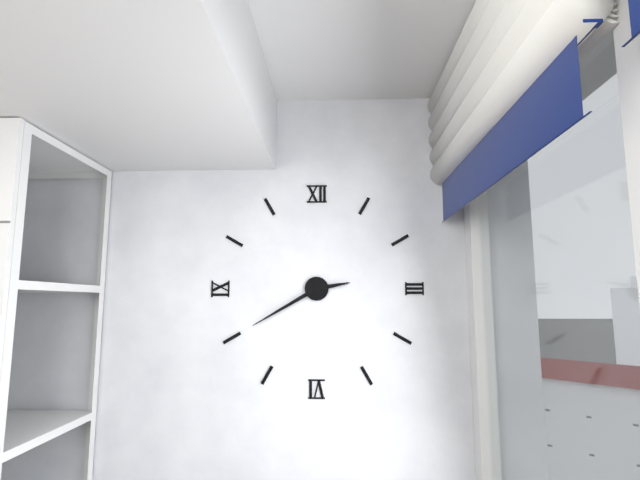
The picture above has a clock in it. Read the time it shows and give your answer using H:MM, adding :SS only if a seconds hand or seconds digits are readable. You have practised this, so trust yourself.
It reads 2:40
